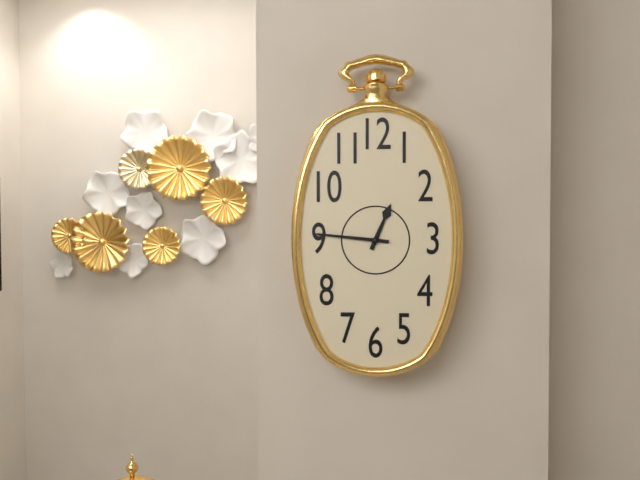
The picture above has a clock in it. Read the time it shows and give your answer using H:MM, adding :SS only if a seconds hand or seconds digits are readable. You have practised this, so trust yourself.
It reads 12:46
